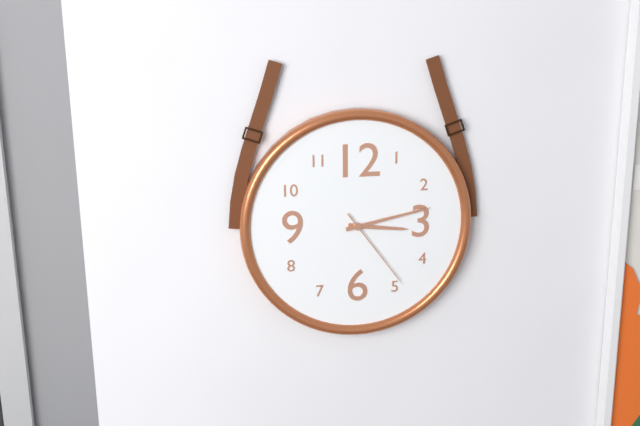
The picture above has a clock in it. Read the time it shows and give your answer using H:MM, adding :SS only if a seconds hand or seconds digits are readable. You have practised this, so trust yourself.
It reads 3:13:24
